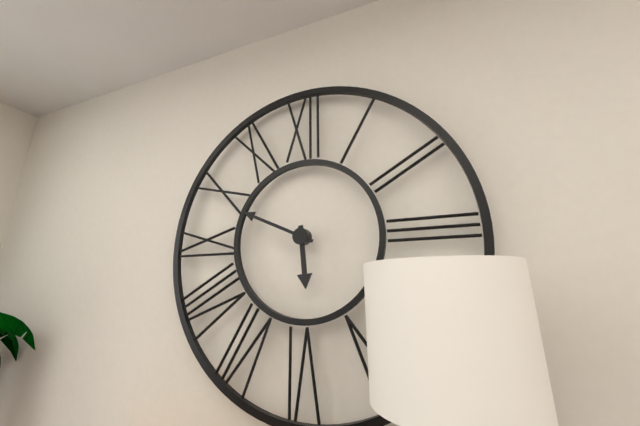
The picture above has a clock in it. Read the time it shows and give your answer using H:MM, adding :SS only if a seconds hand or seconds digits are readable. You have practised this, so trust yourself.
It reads 5:49
